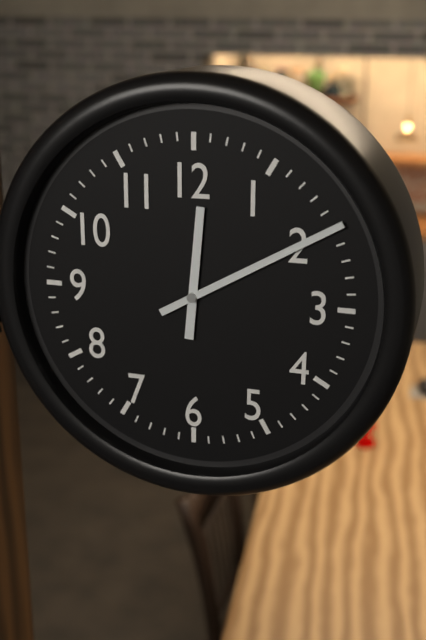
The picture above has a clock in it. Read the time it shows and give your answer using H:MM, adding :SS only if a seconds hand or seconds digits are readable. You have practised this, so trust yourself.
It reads 12:10
